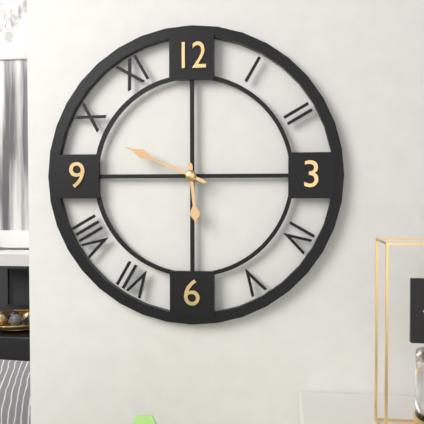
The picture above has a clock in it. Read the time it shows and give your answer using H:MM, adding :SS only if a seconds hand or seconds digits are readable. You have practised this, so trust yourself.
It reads 5:49
